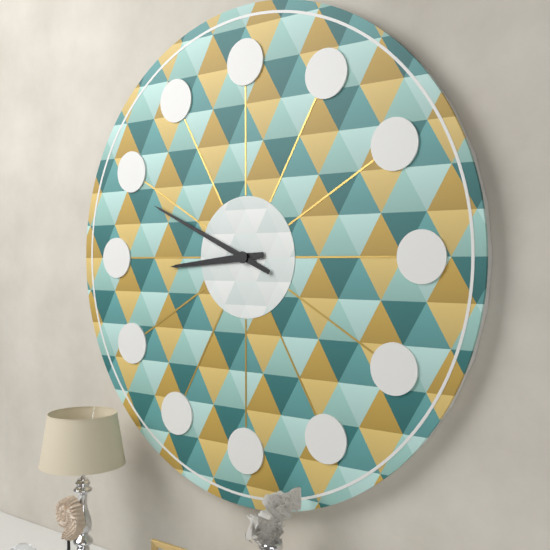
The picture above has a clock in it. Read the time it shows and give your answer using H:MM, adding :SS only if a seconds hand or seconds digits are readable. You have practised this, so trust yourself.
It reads 8:49
